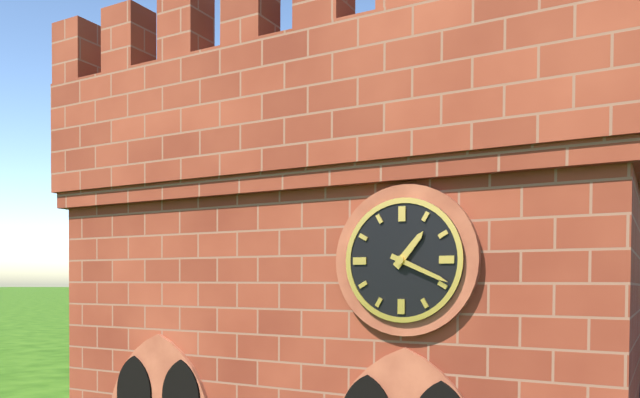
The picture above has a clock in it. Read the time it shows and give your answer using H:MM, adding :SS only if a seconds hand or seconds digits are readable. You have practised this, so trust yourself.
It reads 1:19
